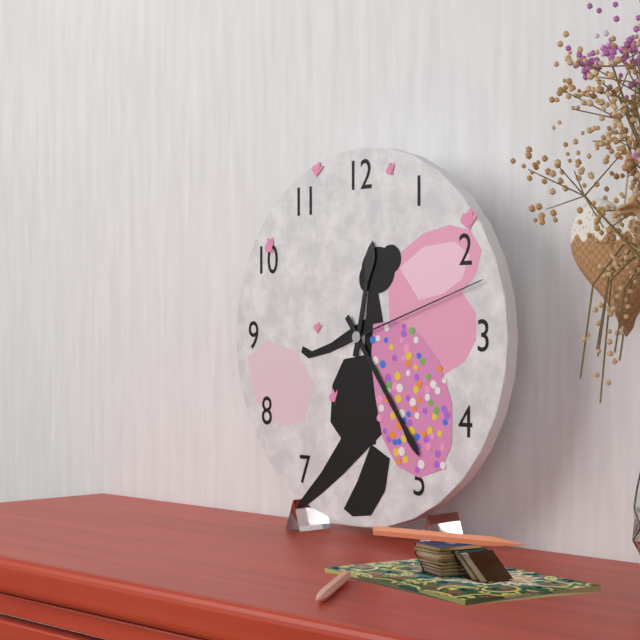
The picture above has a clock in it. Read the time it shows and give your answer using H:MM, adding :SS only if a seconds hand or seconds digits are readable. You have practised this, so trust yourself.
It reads 12:24:12
